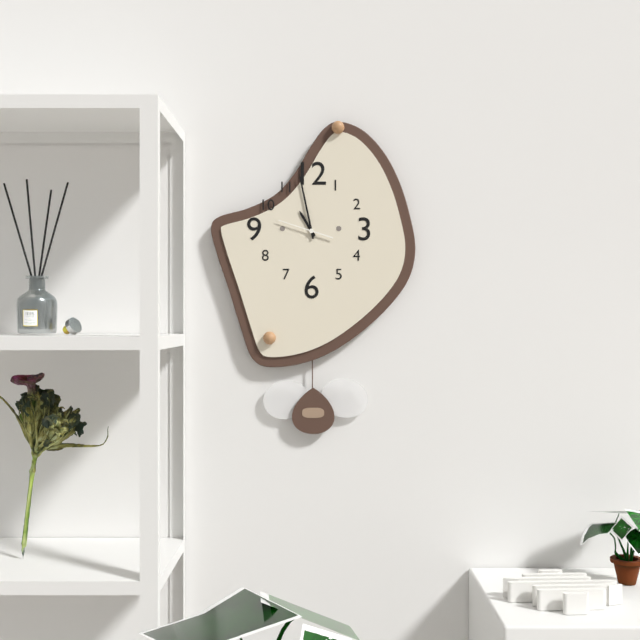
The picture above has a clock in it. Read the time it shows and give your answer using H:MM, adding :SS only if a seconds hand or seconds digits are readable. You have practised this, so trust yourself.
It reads 10:58
